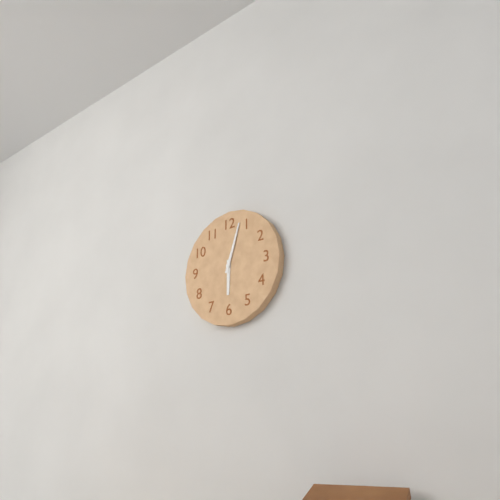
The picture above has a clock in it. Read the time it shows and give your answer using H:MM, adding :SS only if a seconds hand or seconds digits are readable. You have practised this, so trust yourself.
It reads 6:03
